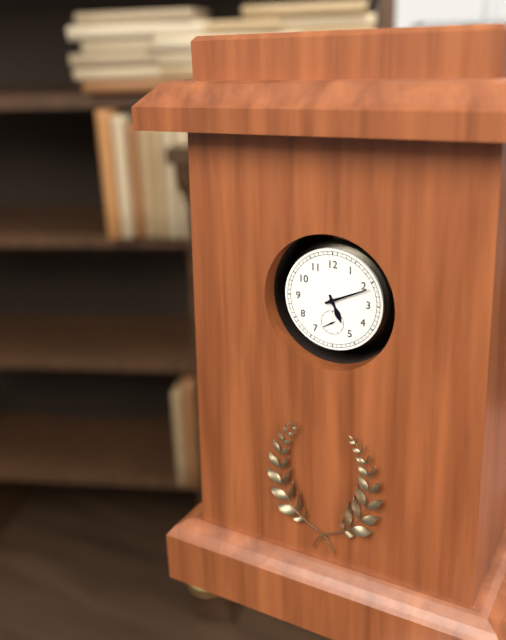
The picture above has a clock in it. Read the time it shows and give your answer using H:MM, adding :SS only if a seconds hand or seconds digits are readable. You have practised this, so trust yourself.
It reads 5:11
